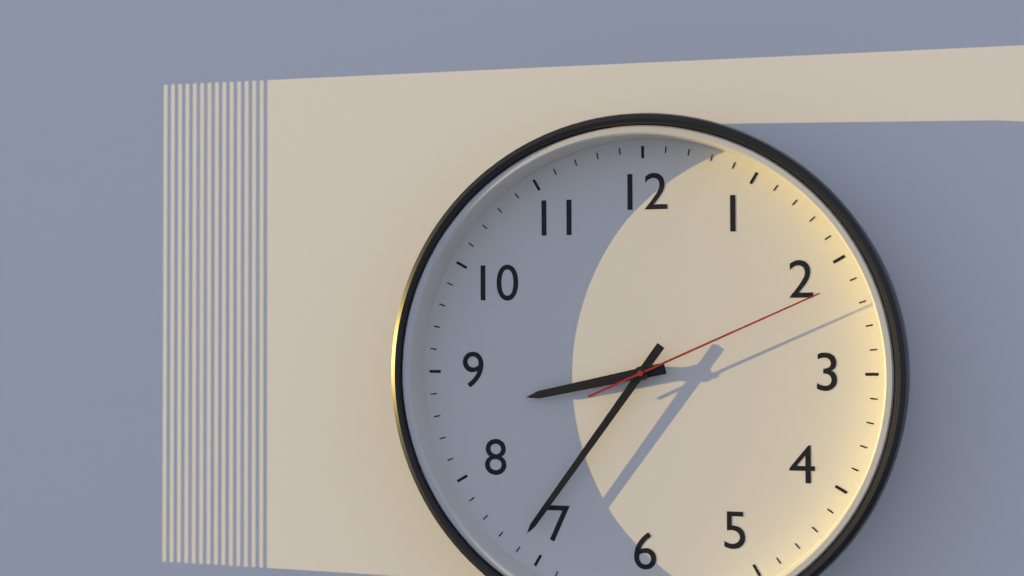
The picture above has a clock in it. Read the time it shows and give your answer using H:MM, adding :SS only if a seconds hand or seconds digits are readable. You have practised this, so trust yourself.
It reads 8:36:11
